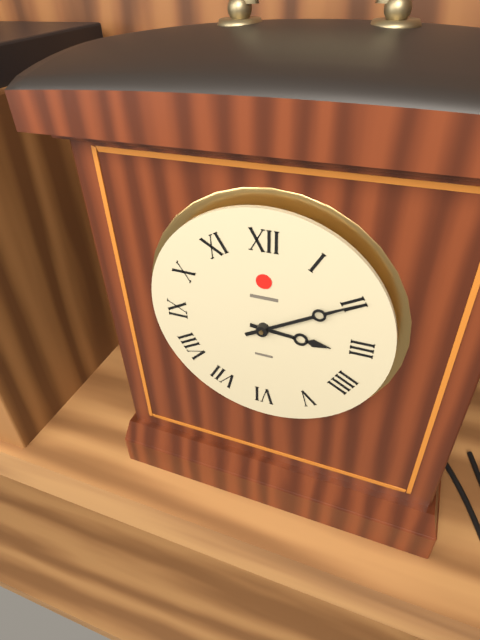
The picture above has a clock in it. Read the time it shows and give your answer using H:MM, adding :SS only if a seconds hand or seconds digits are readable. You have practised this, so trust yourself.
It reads 3:10
